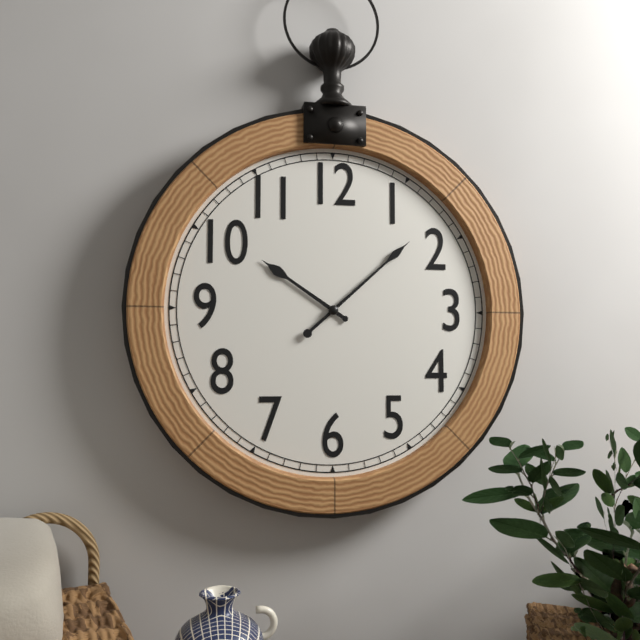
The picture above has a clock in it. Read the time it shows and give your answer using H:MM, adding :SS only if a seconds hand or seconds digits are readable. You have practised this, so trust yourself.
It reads 10:08
